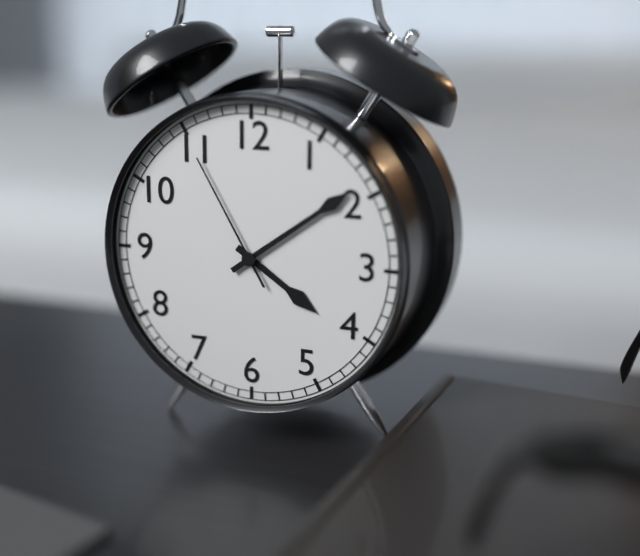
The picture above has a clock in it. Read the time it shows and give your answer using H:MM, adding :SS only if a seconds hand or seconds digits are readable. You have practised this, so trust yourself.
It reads 4:09:55
